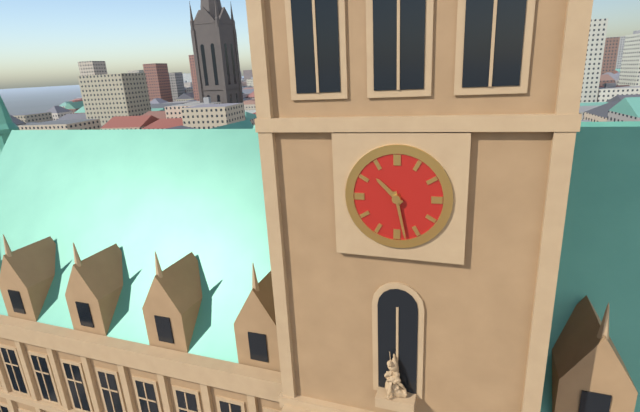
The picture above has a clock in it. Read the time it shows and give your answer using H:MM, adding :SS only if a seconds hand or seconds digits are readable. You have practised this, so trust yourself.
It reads 10:28
